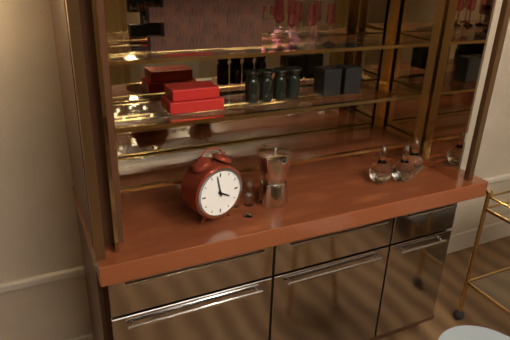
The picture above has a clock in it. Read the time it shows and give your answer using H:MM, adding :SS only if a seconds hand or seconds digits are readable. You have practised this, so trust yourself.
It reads 3:58
